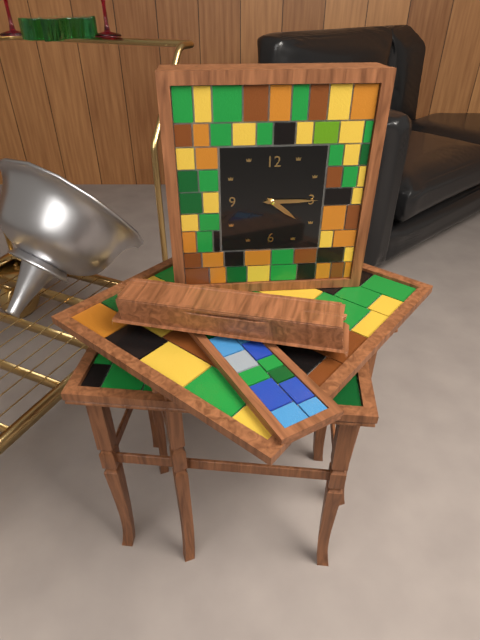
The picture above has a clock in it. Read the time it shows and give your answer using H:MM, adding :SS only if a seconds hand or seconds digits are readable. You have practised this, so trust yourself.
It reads 4:15
